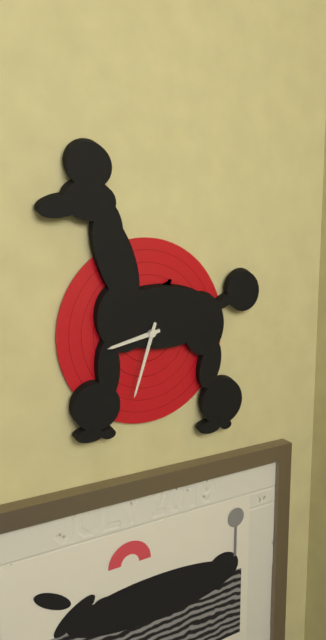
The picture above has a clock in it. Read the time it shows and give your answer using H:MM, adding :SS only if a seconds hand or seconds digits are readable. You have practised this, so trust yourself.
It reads 8:33
